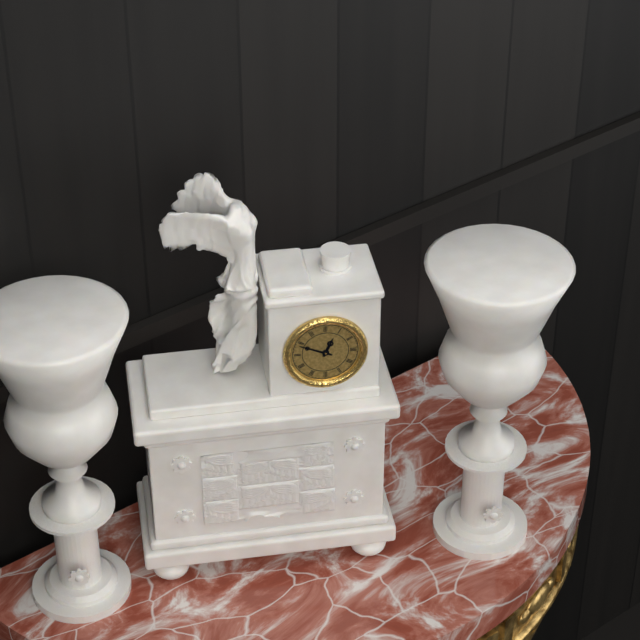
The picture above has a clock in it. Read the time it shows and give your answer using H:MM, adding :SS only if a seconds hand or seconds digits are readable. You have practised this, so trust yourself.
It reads 12:49
